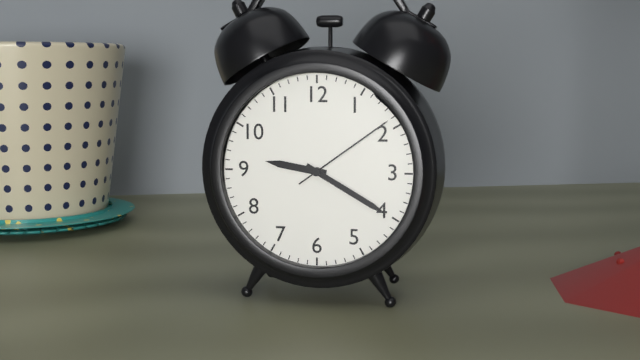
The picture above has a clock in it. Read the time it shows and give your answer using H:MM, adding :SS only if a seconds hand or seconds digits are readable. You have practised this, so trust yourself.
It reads 9:20:09
